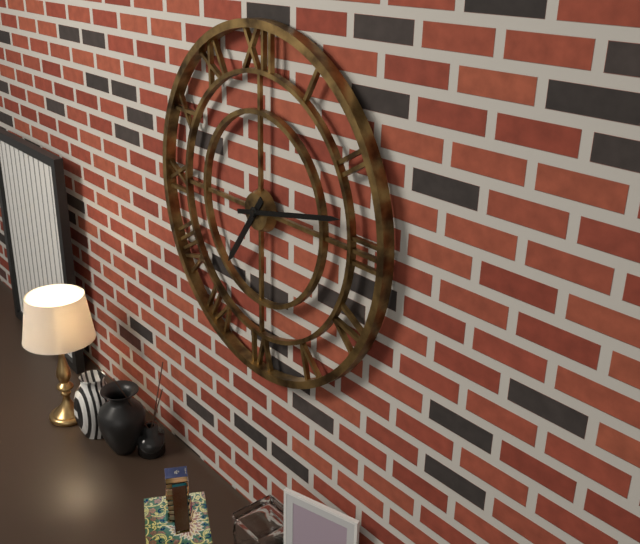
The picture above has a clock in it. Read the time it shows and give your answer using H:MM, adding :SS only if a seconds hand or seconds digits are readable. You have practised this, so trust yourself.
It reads 7:13
